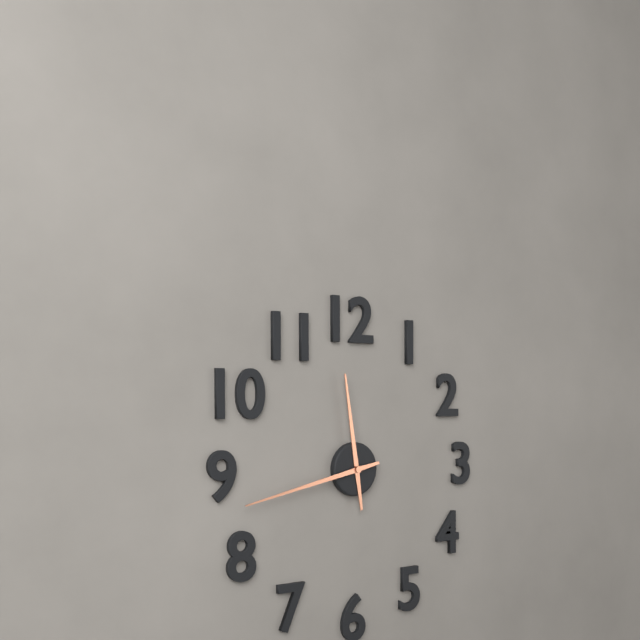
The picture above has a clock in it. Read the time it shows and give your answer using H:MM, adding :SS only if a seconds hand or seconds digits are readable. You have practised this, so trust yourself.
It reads 11:43
